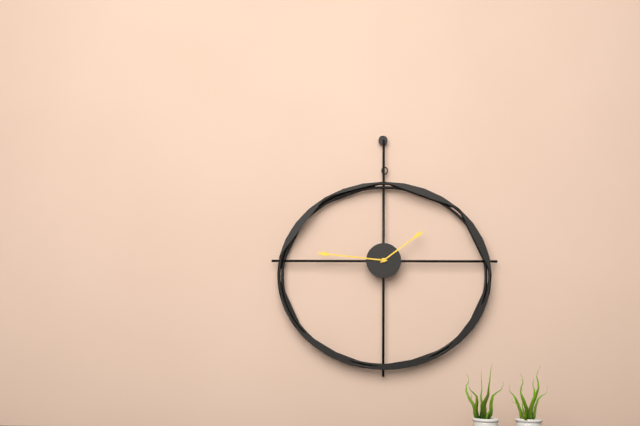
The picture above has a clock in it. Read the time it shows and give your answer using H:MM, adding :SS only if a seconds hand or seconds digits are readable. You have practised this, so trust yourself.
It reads 1:46
